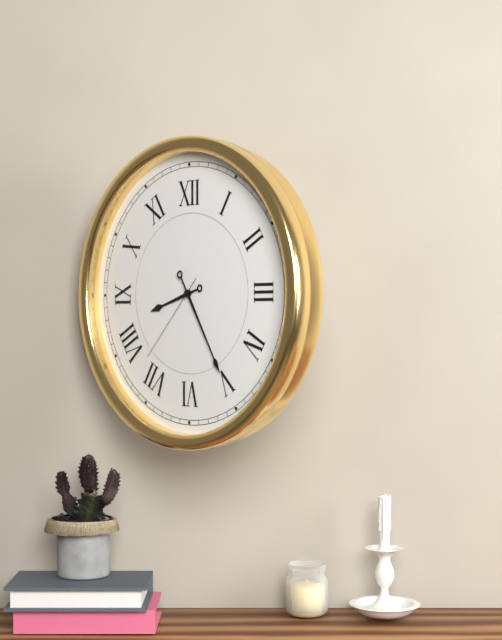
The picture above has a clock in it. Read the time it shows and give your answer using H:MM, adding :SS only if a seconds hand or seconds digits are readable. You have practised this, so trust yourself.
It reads 8:25:37
